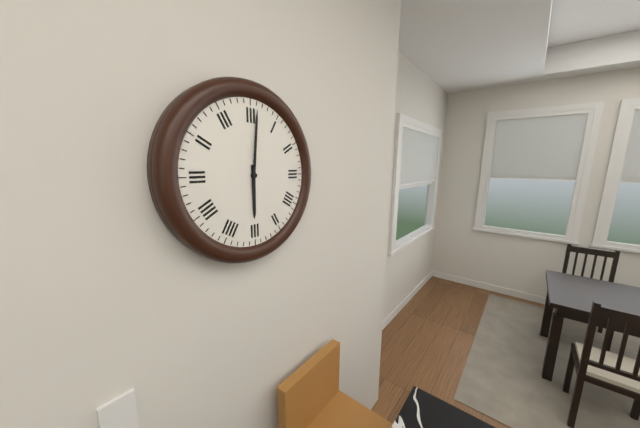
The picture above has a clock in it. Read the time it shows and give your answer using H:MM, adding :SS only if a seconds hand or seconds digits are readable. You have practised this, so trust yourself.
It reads 6:01
